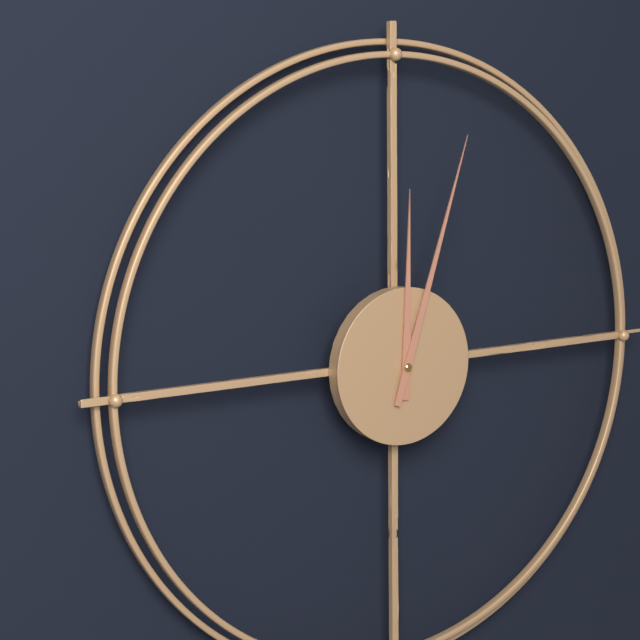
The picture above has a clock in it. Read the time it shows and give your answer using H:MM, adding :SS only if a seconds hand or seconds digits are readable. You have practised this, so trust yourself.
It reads 12:03
